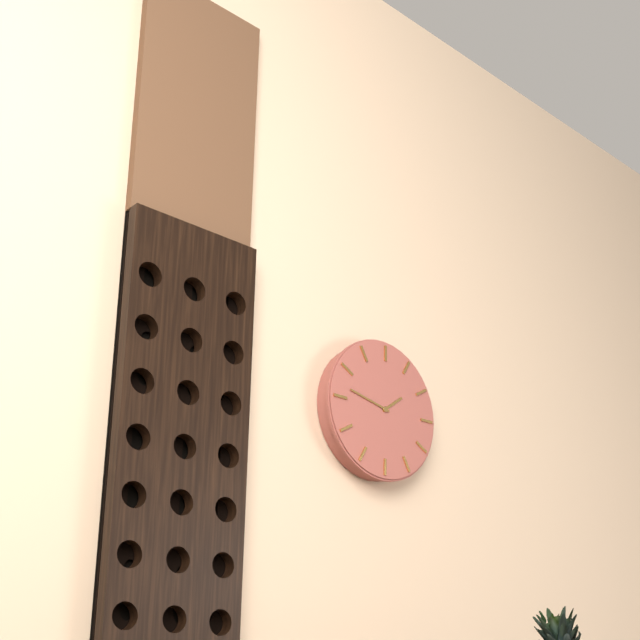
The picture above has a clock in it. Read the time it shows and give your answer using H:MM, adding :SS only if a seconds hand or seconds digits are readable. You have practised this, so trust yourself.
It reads 1:47
